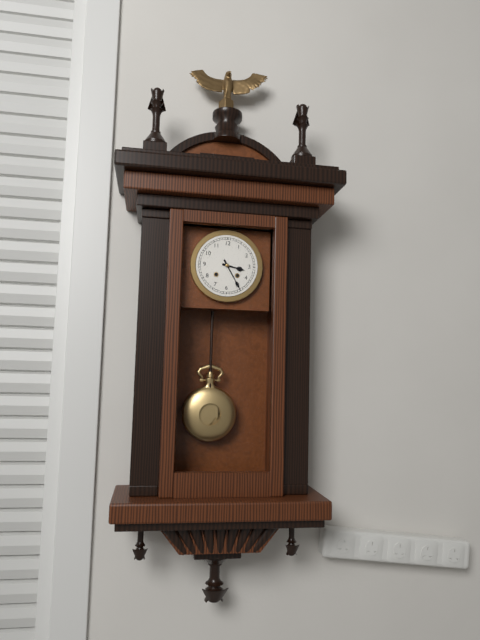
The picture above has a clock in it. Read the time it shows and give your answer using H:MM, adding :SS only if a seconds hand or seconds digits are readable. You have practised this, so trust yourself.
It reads 3:25
